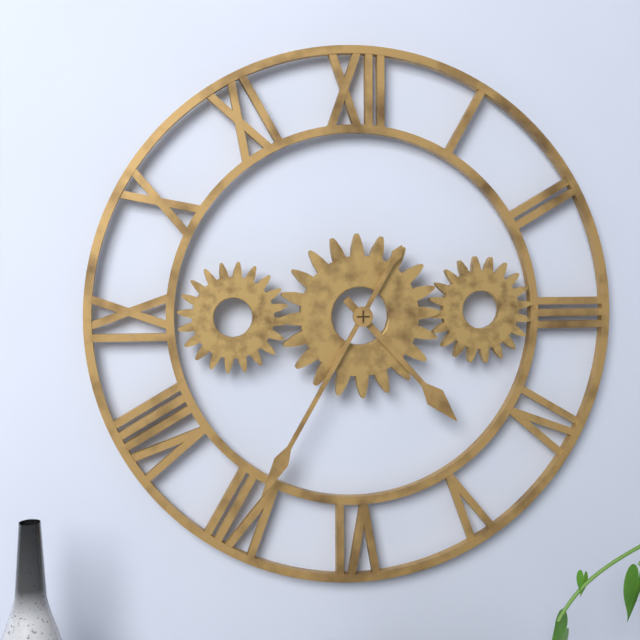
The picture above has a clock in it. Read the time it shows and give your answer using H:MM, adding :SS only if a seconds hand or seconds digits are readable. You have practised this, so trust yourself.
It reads 4:35
